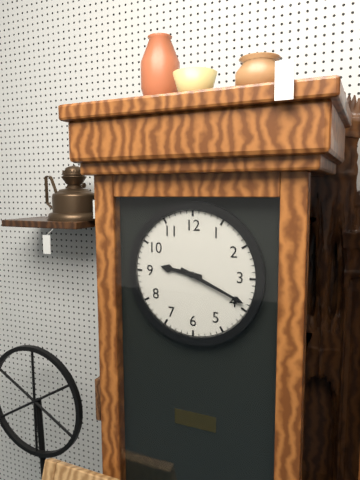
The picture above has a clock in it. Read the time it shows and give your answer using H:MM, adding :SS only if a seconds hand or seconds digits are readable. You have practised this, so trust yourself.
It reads 9:19
